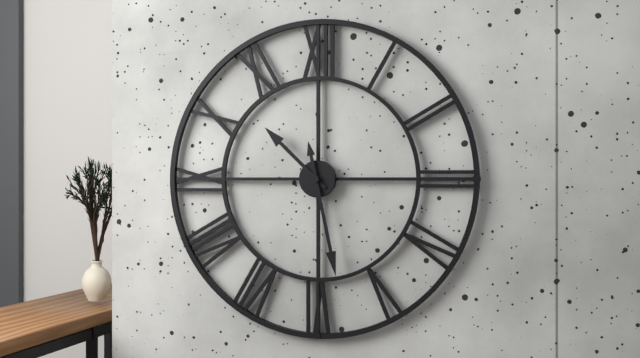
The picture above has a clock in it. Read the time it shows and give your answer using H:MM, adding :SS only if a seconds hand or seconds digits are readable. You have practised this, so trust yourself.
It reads 10:28
